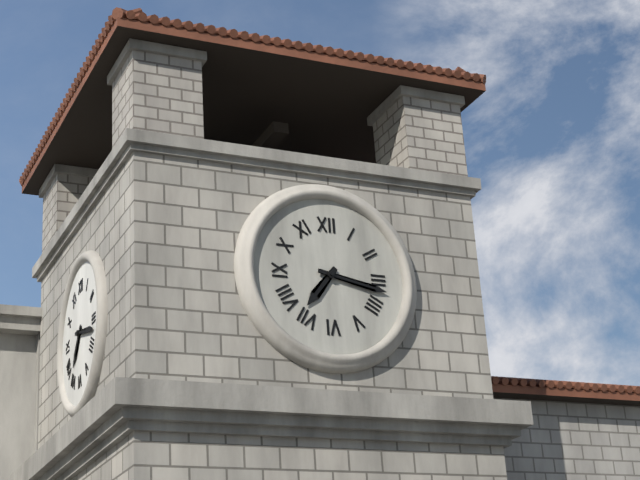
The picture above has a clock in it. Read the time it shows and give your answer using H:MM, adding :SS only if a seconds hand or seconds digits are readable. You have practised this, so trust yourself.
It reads 7:17
